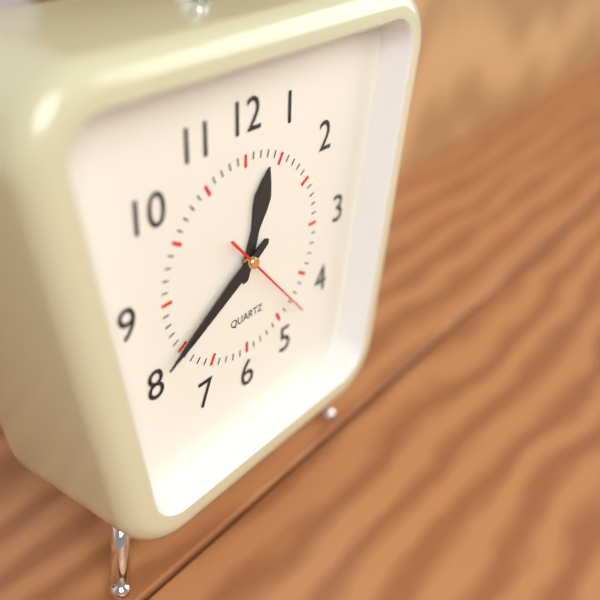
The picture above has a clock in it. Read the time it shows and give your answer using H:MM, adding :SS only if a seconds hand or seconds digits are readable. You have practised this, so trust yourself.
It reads 12:40:23
